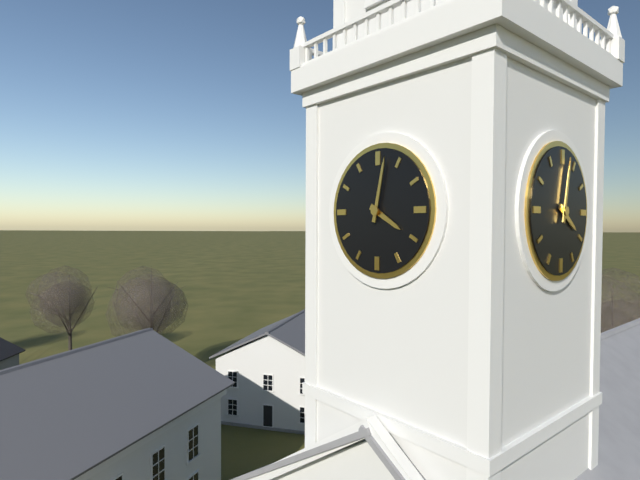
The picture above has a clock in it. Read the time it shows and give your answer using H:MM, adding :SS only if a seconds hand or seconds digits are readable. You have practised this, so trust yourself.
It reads 4:02
